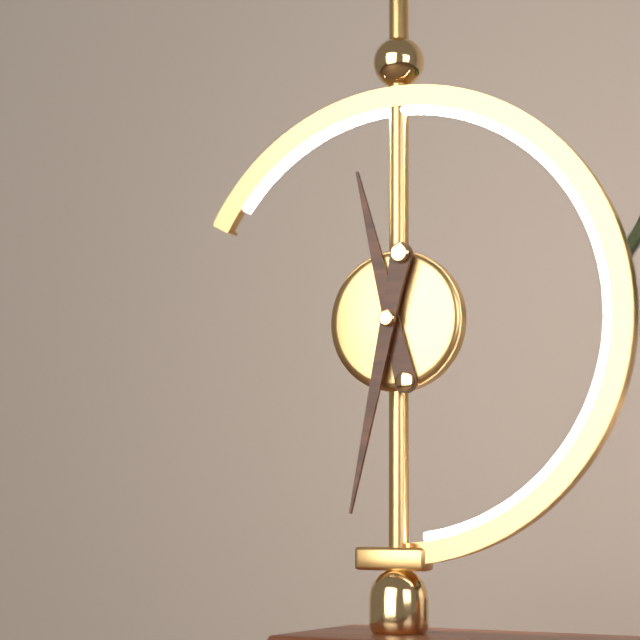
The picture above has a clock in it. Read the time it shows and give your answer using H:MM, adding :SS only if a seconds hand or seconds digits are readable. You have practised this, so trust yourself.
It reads 11:32
